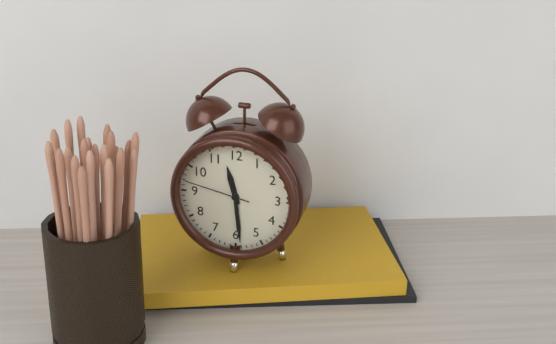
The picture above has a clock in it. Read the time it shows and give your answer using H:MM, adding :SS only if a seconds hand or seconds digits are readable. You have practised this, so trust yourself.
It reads 11:29:47
